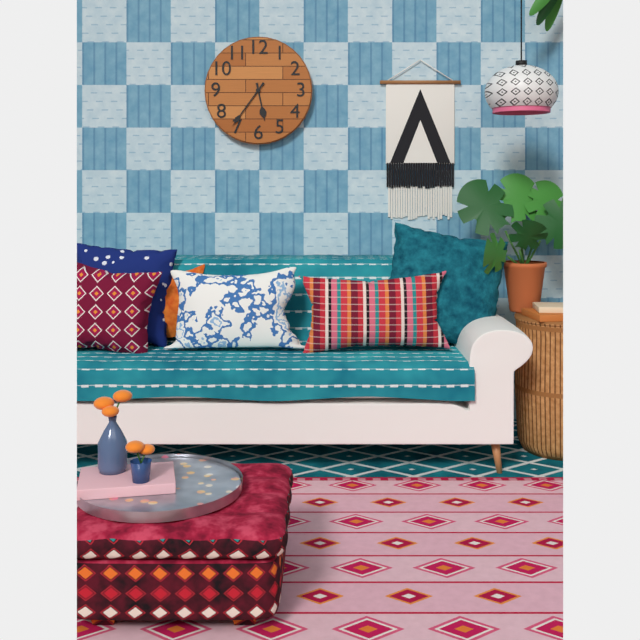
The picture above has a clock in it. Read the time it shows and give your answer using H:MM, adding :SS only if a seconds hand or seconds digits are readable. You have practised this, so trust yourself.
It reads 5:36
